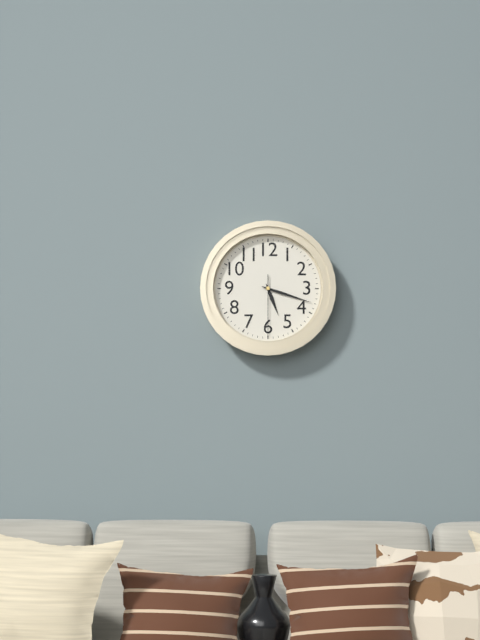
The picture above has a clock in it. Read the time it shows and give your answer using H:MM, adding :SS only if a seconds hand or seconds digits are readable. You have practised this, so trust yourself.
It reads 5:18:30
